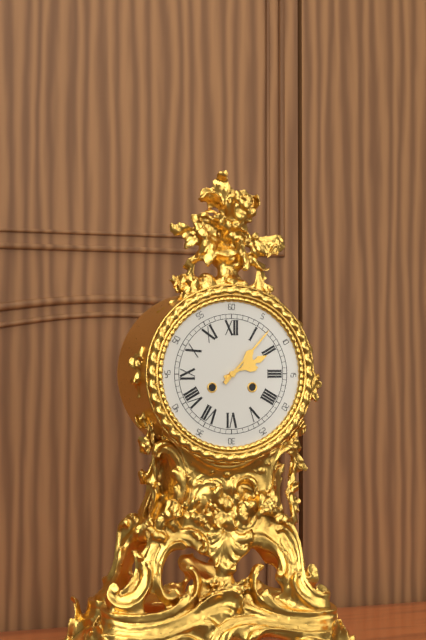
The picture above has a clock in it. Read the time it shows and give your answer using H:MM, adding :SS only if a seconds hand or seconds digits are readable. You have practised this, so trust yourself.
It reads 2:07
